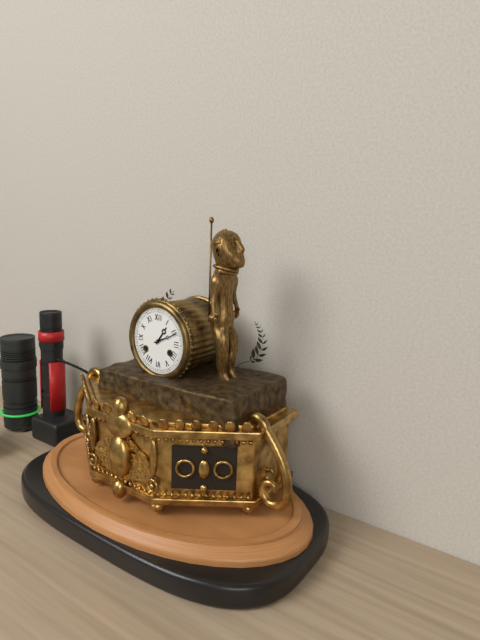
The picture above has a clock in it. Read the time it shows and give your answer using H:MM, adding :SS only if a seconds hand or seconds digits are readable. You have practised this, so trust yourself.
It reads 1:11
